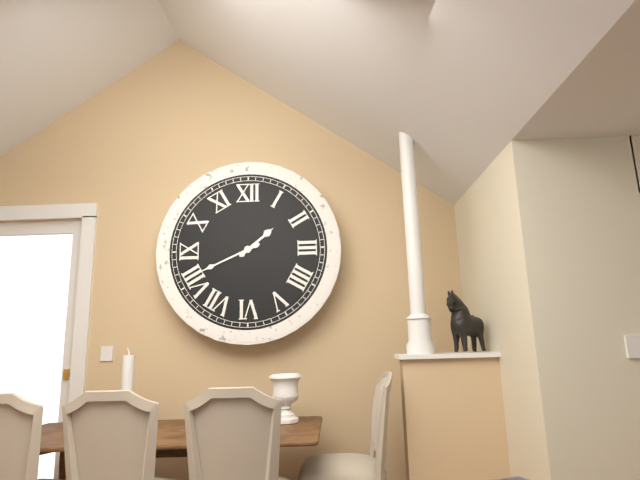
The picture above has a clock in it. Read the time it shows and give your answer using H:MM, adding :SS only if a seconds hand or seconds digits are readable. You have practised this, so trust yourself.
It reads 1:41
